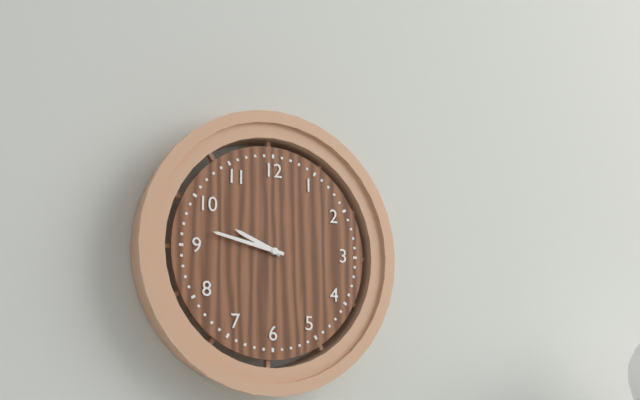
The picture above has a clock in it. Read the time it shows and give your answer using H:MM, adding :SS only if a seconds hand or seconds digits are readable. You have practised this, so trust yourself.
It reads 9:47
